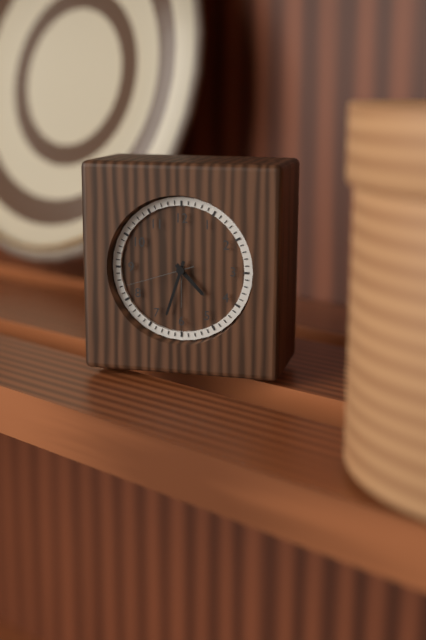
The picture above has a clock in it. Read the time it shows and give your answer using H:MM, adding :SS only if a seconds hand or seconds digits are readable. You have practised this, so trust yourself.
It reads 4:33:42
